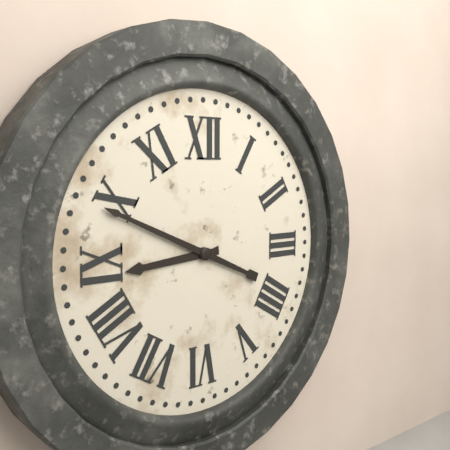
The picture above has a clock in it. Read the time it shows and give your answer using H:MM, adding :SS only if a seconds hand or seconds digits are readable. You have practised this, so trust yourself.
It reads 8:49
